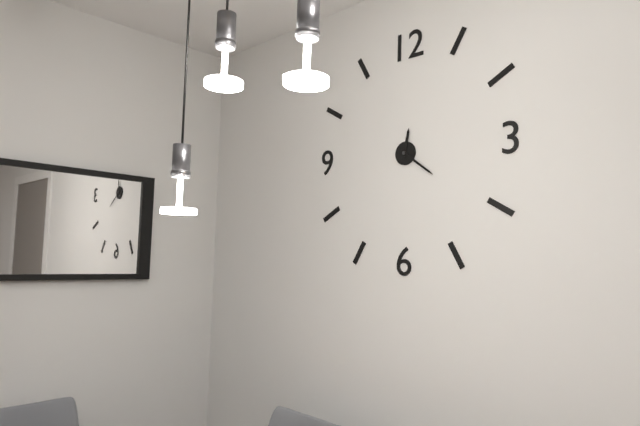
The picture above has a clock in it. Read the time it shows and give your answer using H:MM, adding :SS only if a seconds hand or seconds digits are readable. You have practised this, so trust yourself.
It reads 12:21
